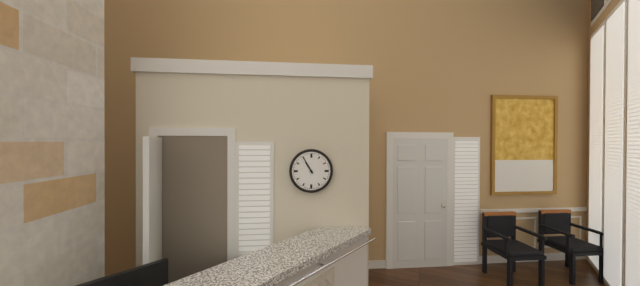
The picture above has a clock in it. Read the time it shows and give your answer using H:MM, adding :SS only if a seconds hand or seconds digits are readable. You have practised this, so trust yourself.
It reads 10:55
